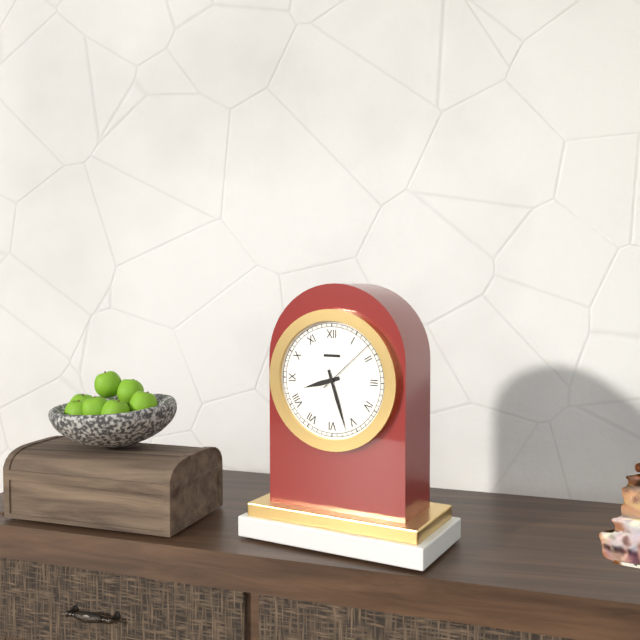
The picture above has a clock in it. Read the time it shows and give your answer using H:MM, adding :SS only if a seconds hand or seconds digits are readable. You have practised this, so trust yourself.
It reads 8:27:08
